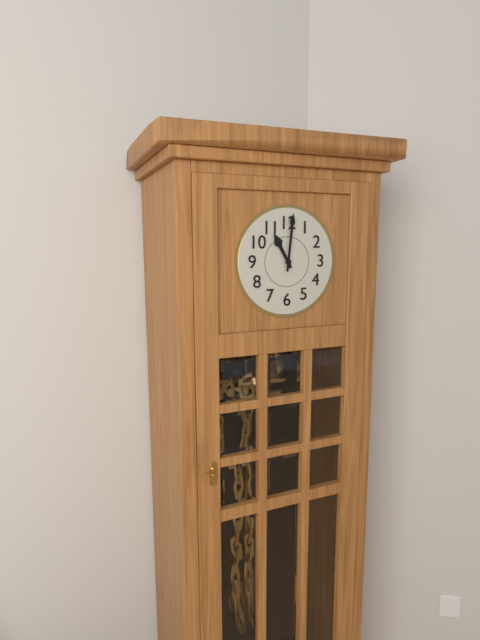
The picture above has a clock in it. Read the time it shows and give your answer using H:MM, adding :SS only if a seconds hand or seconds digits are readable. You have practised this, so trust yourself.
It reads 11:01
